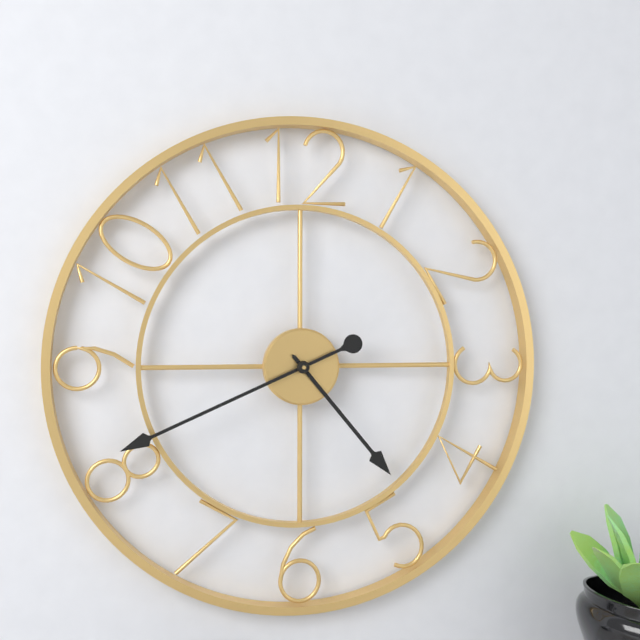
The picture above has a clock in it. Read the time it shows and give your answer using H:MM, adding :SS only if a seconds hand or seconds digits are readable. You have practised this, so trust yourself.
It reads 4:41
